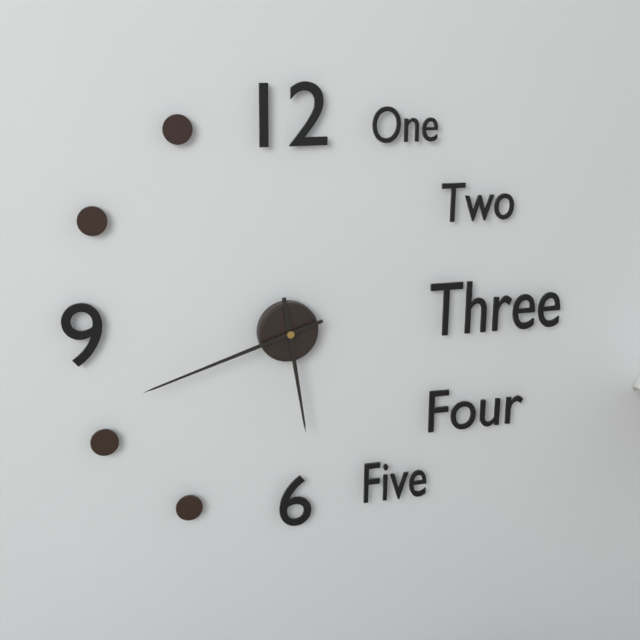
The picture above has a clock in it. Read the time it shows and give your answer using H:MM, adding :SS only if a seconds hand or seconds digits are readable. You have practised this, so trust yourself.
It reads 5:42
